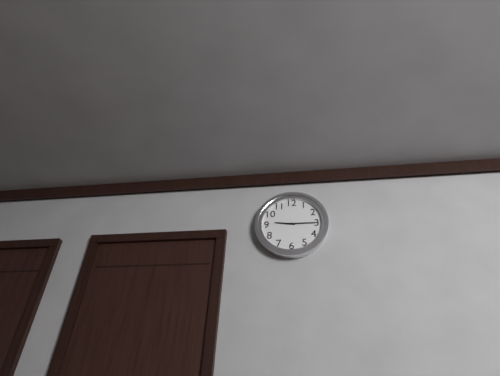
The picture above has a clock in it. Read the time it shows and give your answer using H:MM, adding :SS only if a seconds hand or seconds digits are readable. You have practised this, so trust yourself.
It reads 9:15
